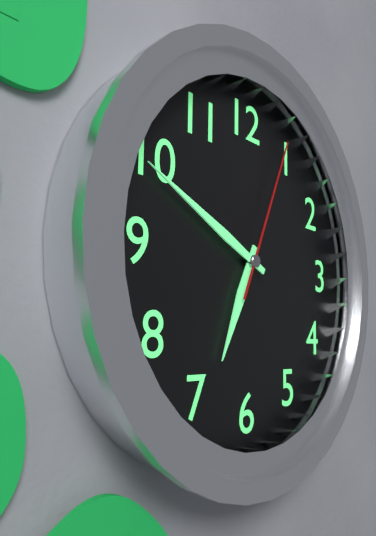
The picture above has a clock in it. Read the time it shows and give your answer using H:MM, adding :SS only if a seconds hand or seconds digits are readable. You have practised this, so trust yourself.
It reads 6:49:04
